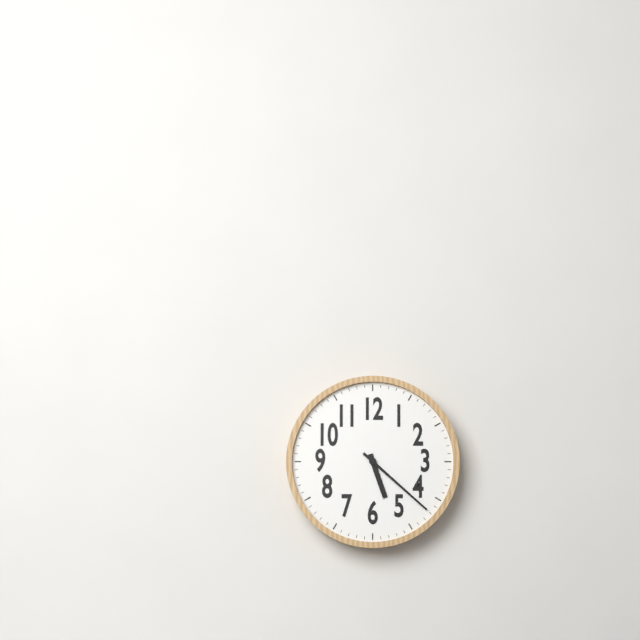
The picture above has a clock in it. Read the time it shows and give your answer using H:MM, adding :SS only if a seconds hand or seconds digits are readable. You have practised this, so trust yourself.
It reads 5:22
